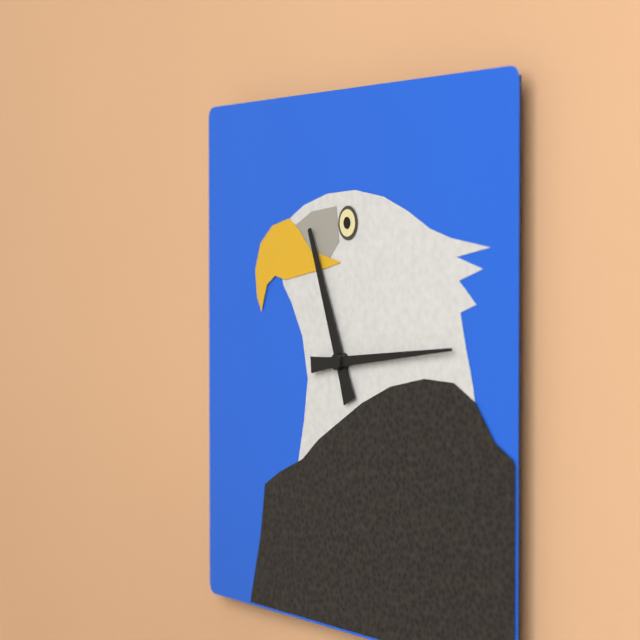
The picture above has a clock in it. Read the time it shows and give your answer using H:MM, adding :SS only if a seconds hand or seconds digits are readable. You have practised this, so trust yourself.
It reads 11:14
